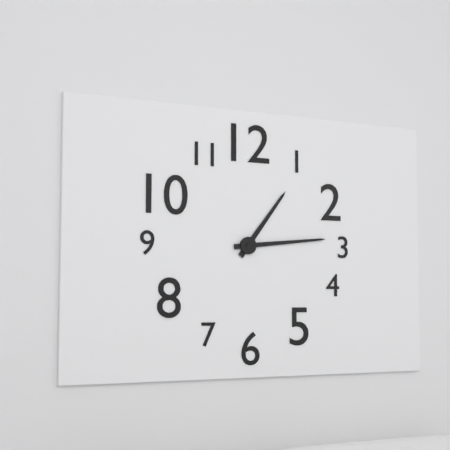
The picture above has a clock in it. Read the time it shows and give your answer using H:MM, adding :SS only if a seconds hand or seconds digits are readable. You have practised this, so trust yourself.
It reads 1:14
